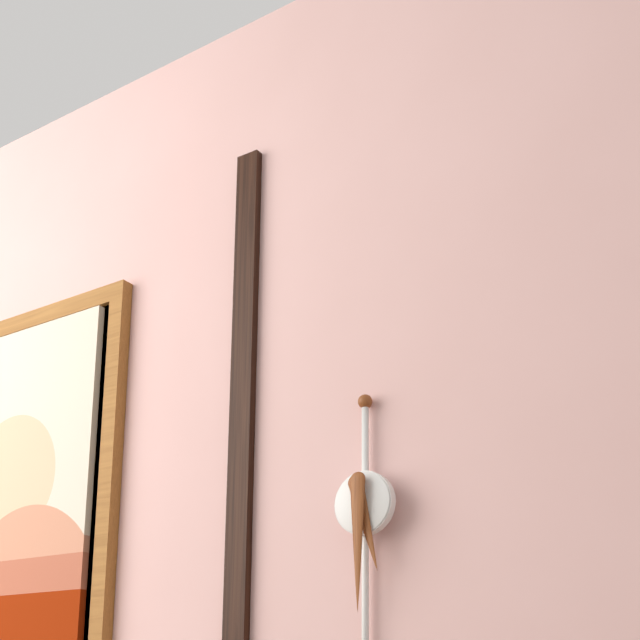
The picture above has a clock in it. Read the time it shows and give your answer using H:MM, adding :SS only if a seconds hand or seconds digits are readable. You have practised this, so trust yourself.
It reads 5:30
